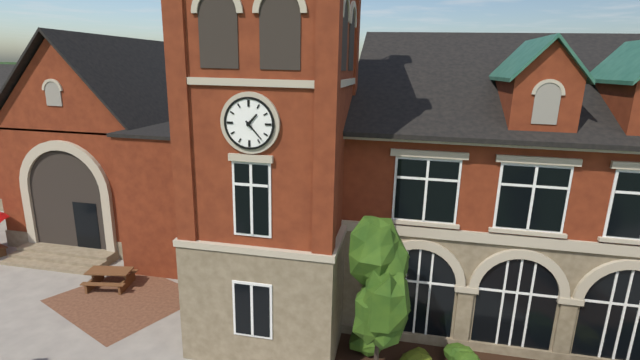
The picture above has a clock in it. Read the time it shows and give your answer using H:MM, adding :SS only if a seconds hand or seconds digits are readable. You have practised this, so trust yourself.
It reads 1:23
